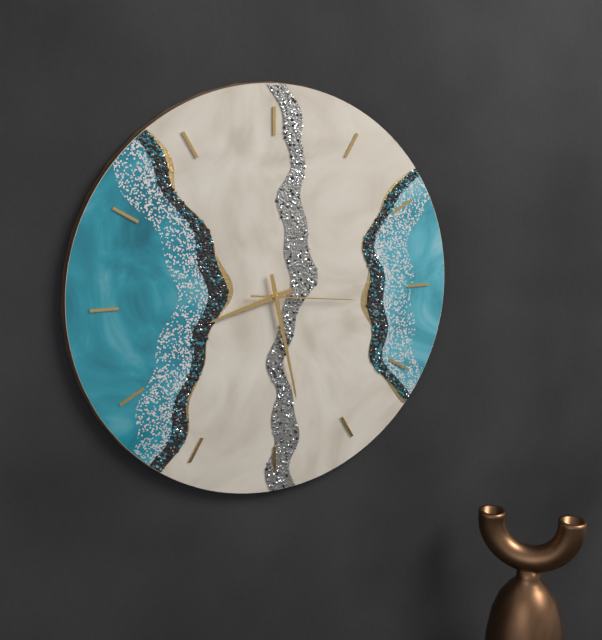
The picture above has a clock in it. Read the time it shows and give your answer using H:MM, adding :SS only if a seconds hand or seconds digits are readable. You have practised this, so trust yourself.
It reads 8:28:16
